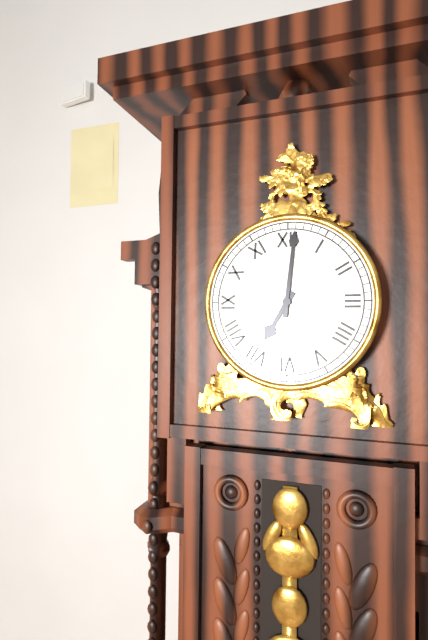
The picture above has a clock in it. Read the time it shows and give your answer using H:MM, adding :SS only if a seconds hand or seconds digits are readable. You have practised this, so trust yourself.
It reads 7:01
